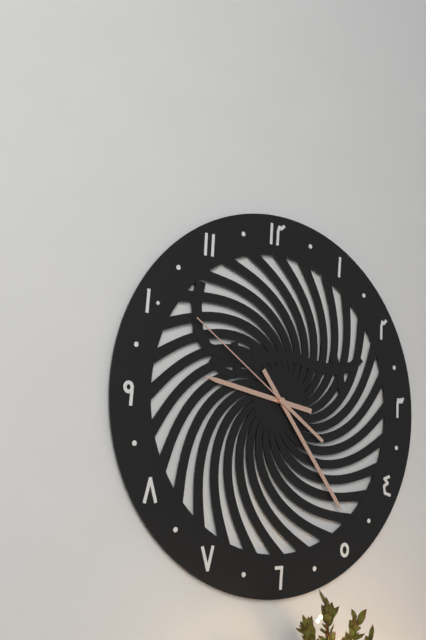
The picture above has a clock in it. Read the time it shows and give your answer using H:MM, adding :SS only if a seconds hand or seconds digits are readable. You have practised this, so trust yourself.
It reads 9:24:51
